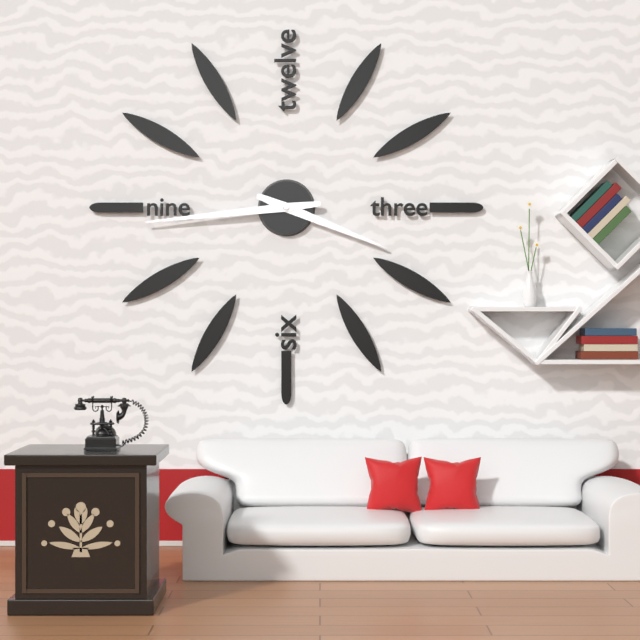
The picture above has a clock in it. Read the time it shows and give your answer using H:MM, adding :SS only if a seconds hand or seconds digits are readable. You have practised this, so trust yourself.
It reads 3:44
